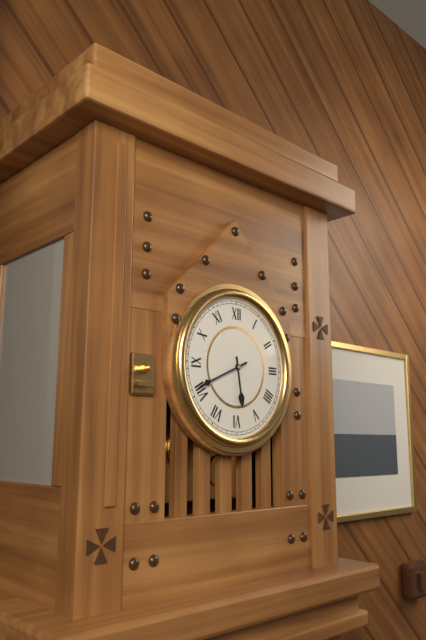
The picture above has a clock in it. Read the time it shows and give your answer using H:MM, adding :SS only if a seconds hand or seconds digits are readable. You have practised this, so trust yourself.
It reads 5:41
